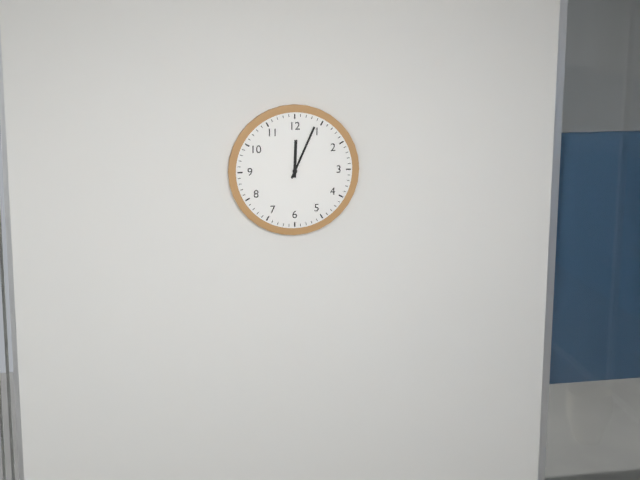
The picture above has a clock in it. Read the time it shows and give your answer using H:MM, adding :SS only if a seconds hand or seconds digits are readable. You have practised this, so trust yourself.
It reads 12:04
